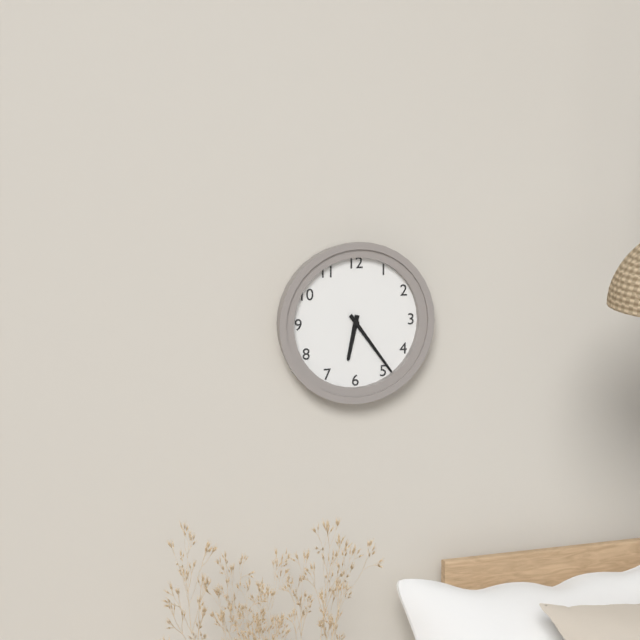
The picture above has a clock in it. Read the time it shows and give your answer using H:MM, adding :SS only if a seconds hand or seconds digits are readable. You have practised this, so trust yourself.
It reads 6:24
